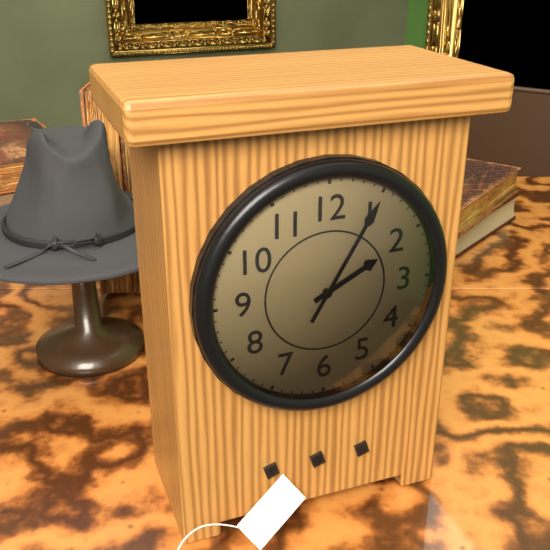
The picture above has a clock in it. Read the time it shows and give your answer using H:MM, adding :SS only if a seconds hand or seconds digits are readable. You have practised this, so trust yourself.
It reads 2:05
